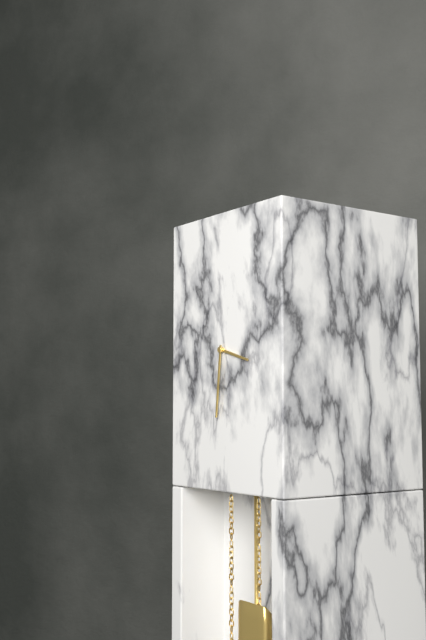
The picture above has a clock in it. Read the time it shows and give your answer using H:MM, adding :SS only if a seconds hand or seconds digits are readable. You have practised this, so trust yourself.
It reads 3:31
